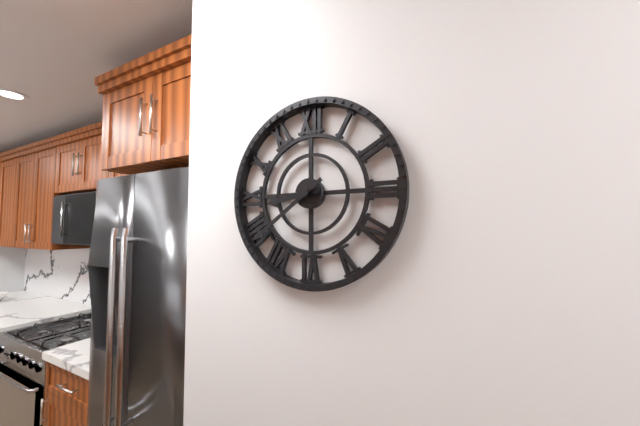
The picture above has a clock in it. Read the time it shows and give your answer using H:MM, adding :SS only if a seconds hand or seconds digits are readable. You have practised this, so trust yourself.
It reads 8:39
